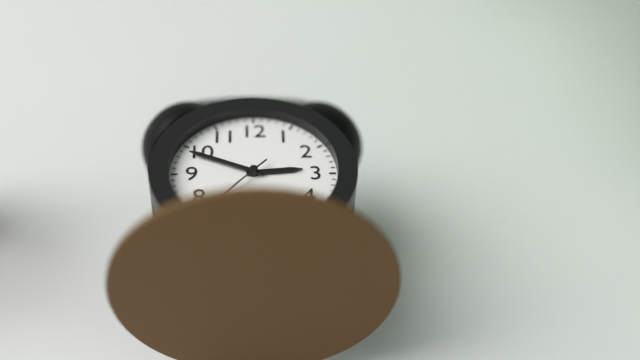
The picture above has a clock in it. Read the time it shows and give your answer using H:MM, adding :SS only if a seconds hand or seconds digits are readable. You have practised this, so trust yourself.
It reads 2:49
